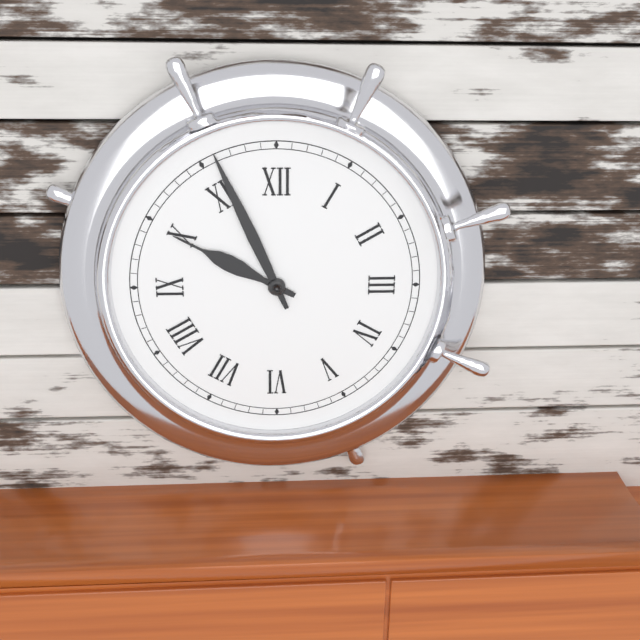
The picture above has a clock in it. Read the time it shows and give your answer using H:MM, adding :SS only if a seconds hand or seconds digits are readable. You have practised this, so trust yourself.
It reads 9:56
